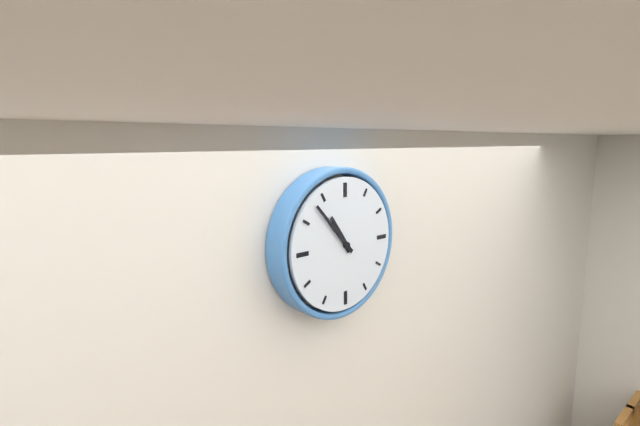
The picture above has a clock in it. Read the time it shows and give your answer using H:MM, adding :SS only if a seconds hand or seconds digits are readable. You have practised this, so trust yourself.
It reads 10:53
